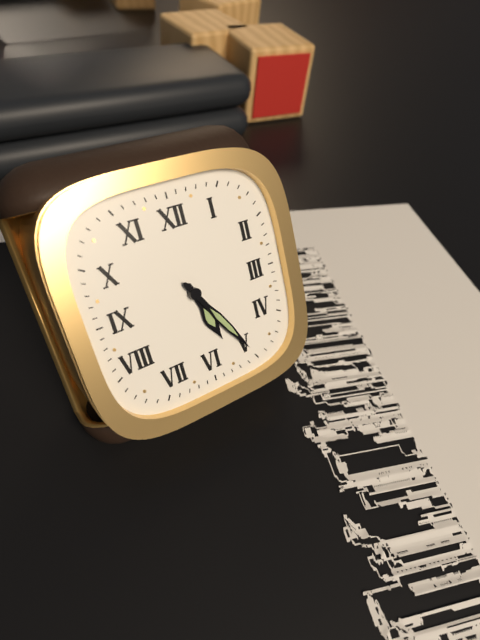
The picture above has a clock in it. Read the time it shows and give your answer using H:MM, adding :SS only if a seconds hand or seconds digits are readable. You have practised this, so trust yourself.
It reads 5:25
